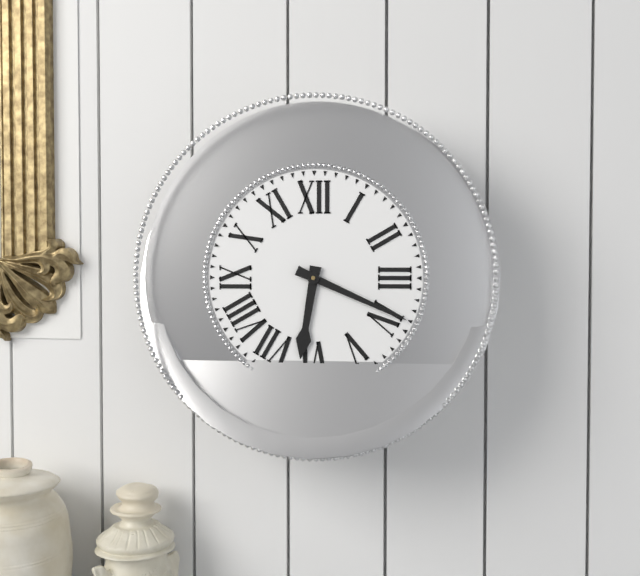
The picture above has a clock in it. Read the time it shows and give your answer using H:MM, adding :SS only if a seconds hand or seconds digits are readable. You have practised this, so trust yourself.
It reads 6:19
